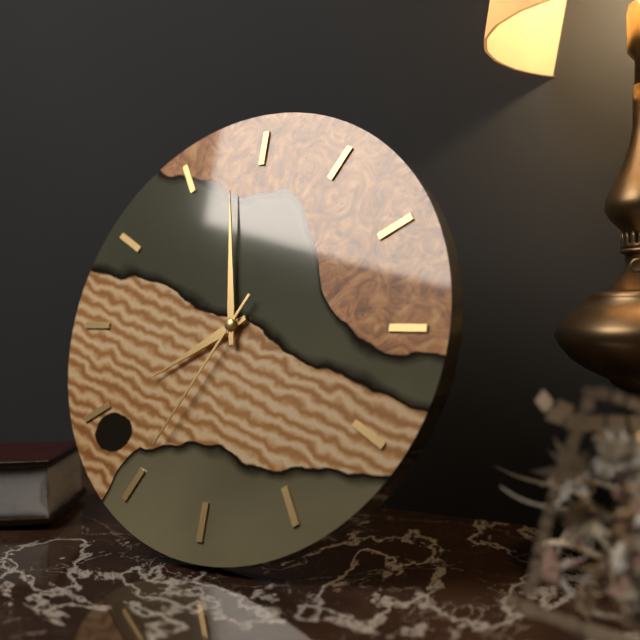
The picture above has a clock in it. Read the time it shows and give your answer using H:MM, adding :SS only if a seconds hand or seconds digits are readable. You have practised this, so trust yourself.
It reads 7:58:35
